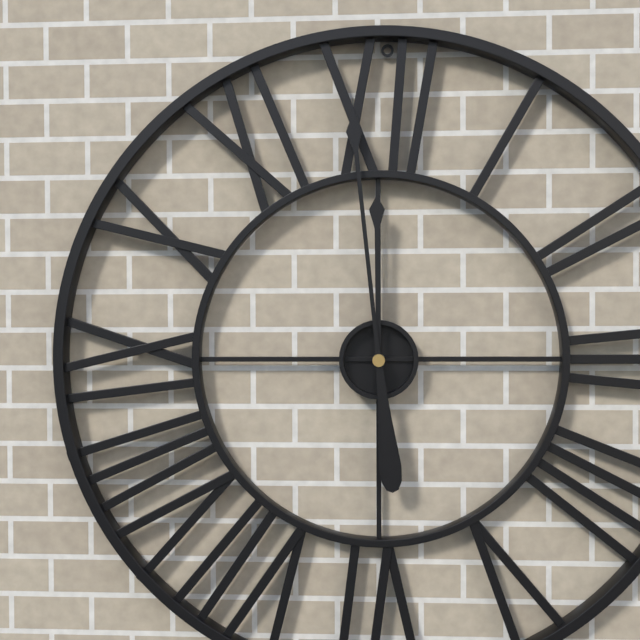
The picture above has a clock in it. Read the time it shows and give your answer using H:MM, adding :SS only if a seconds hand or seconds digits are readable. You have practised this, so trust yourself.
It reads 11:59
